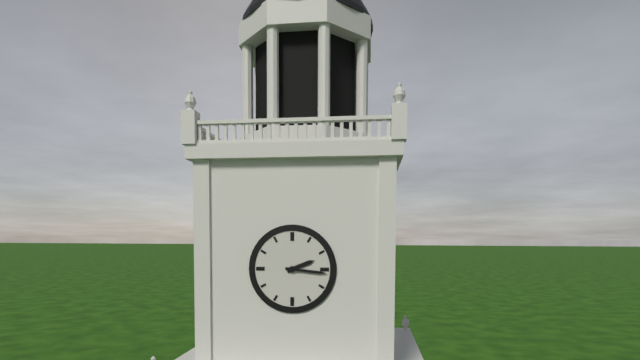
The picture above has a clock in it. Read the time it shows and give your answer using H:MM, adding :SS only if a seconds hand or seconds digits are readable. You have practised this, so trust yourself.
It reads 2:16
